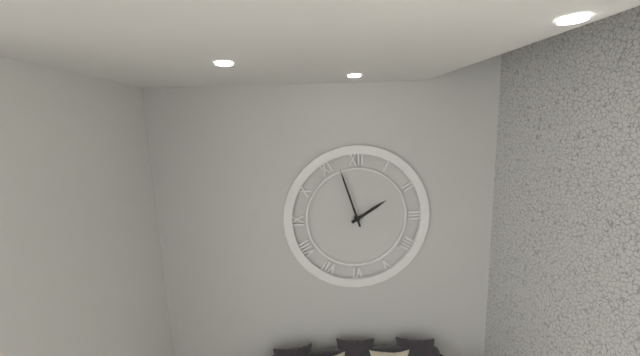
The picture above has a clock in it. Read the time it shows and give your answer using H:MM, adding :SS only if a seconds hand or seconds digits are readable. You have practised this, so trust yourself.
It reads 1:57
